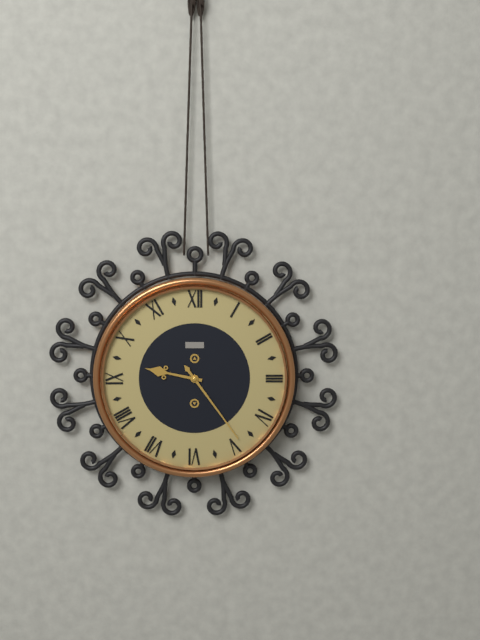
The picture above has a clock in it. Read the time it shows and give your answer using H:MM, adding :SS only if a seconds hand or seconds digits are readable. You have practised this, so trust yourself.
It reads 9:24
